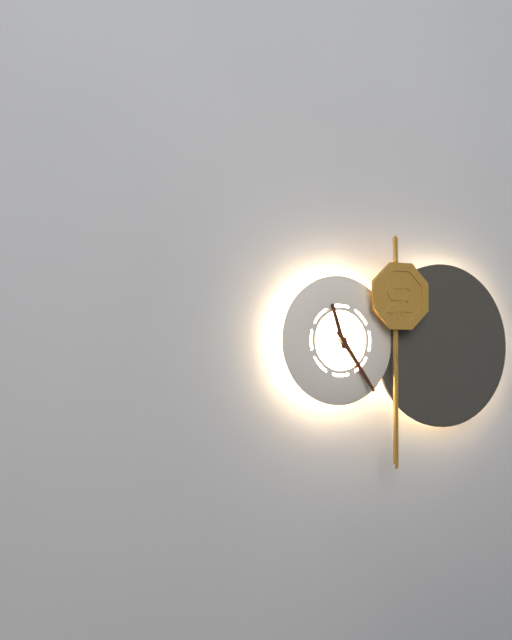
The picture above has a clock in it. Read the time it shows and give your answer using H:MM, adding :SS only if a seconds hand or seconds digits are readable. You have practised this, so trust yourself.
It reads 11:24
